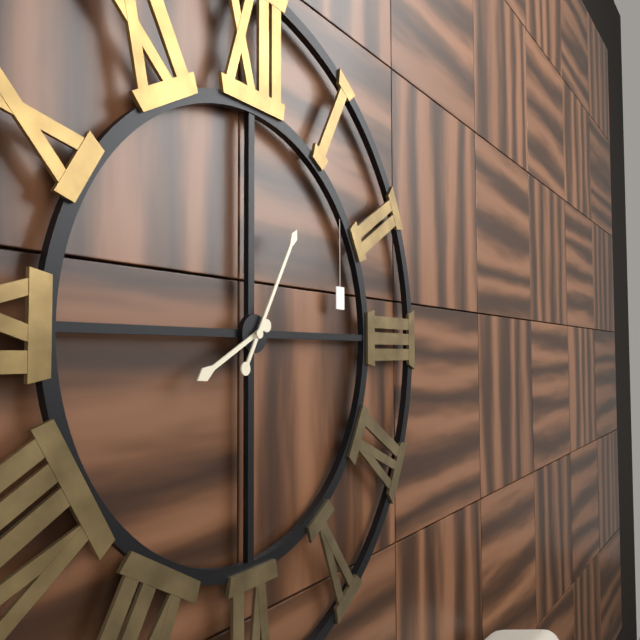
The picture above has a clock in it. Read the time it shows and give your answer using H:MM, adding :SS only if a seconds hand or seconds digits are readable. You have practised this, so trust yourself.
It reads 8:05
